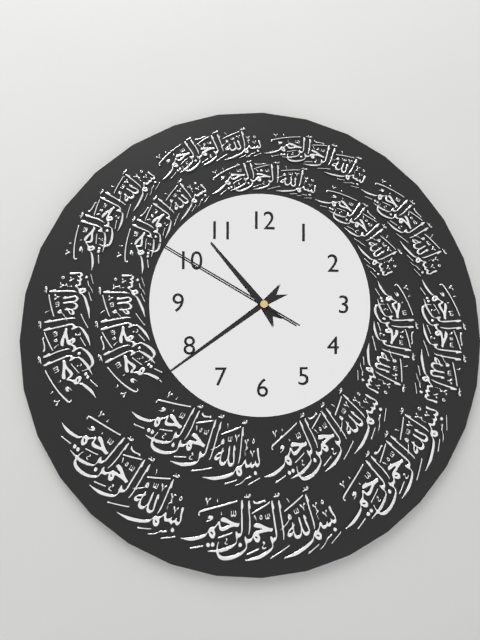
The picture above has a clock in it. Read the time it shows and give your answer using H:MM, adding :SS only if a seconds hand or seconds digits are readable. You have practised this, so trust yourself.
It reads 10:39:50
